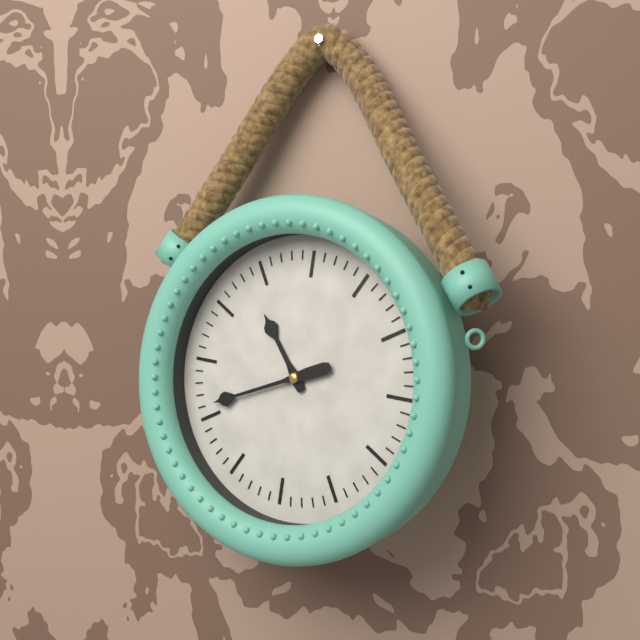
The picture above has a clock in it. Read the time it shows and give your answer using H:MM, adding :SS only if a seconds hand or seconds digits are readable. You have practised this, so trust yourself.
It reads 10:41
